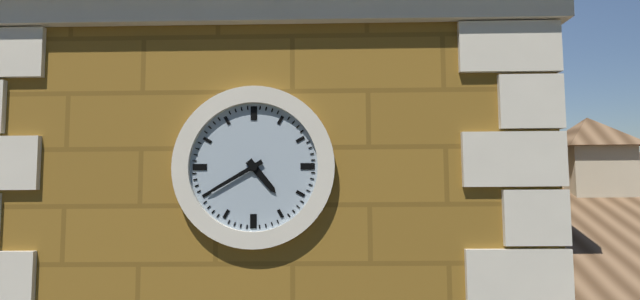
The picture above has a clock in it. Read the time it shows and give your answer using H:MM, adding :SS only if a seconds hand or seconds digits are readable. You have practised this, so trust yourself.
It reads 4:40
